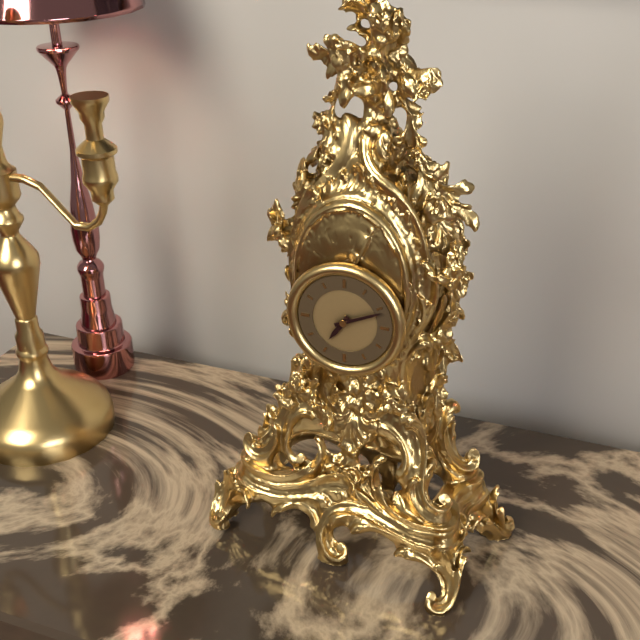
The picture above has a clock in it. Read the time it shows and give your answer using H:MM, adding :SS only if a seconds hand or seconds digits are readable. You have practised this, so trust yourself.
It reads 7:11
